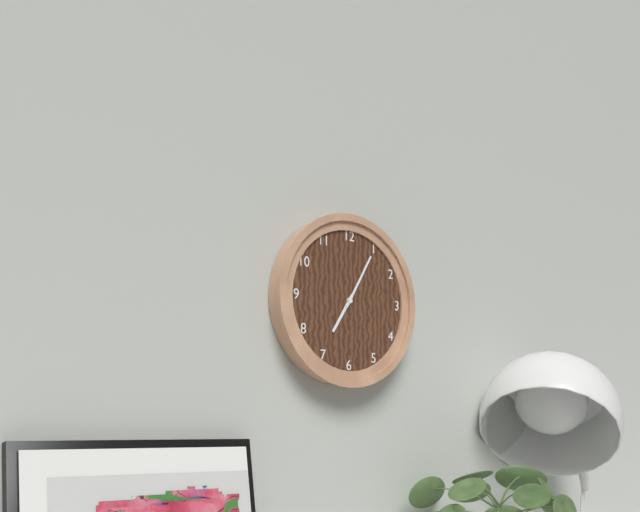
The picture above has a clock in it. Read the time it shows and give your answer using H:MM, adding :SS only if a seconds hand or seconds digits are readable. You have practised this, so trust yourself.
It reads 7:05
